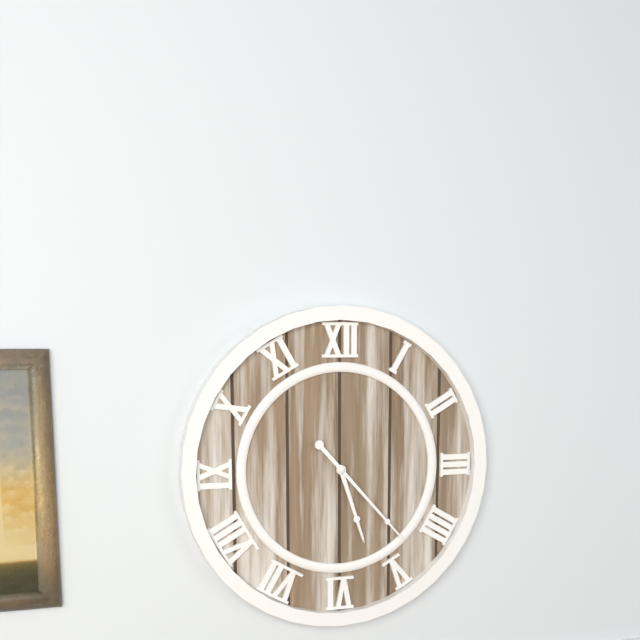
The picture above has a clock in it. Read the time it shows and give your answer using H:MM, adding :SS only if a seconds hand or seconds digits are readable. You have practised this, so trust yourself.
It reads 5:23
